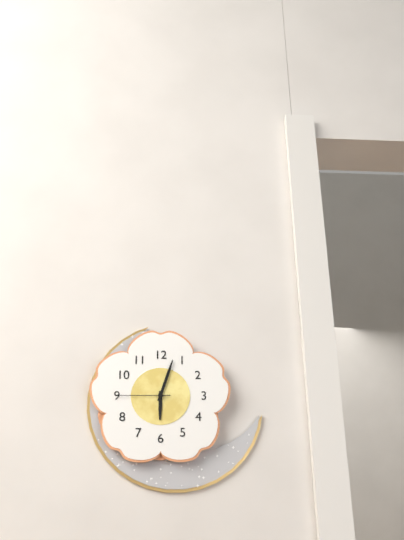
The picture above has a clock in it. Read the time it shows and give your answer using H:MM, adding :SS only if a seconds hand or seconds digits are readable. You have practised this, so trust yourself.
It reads 6:03:45
